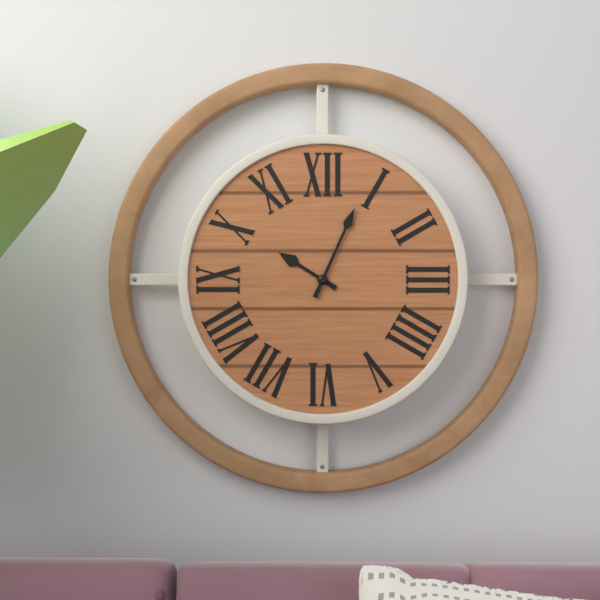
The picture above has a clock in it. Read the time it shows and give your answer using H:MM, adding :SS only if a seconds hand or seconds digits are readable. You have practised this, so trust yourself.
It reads 10:04
